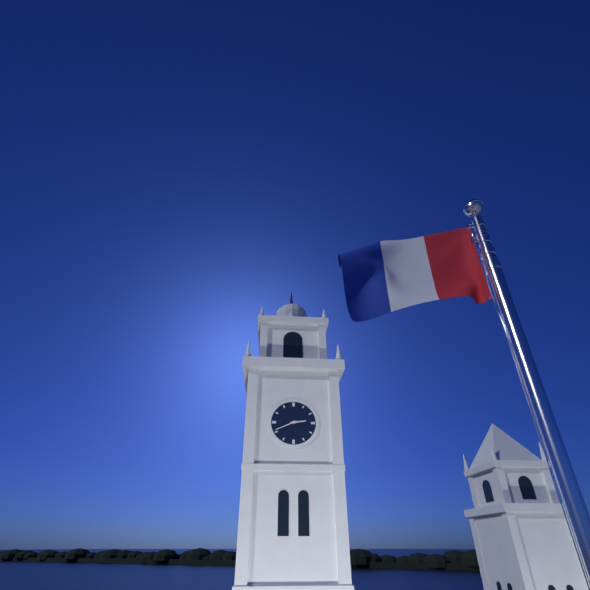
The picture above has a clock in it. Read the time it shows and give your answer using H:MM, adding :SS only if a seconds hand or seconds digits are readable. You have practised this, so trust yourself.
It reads 2:41
